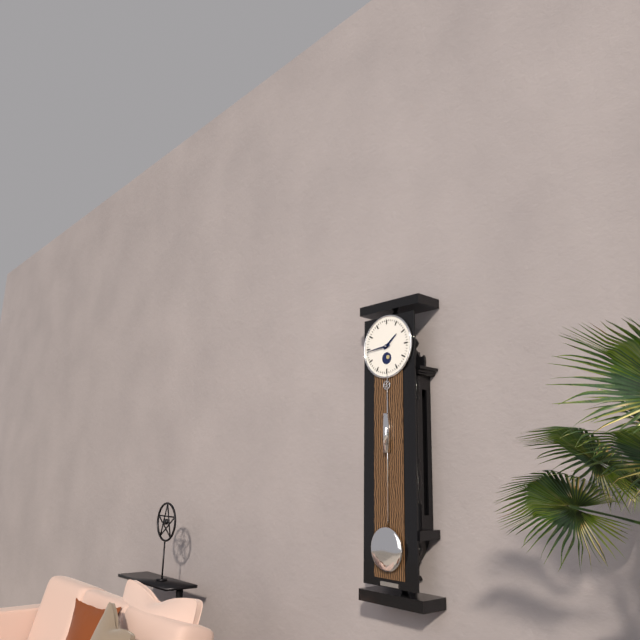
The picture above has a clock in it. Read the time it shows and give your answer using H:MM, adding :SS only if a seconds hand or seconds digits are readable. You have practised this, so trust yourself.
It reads 1:44
